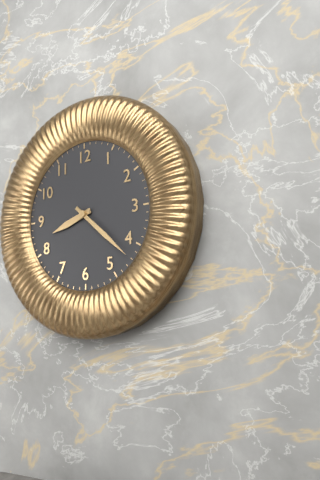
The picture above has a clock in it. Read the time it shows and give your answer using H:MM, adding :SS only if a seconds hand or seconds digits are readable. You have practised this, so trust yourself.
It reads 8:22
